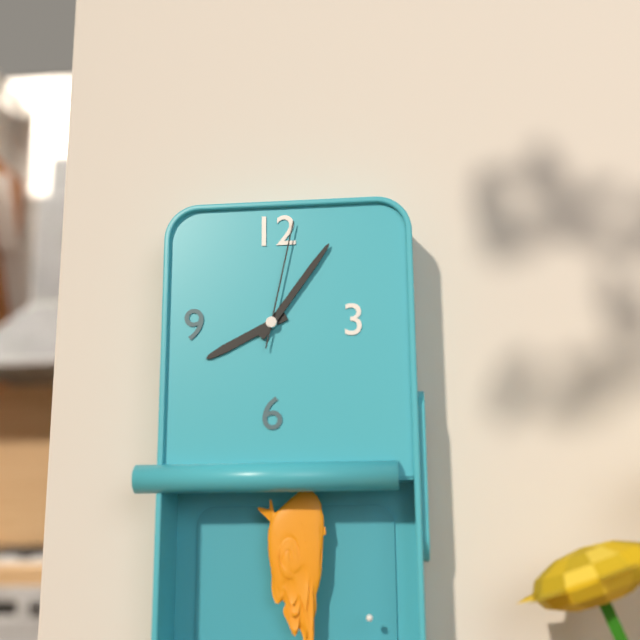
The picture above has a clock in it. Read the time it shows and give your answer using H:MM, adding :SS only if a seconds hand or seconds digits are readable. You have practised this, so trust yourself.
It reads 8:06:02
